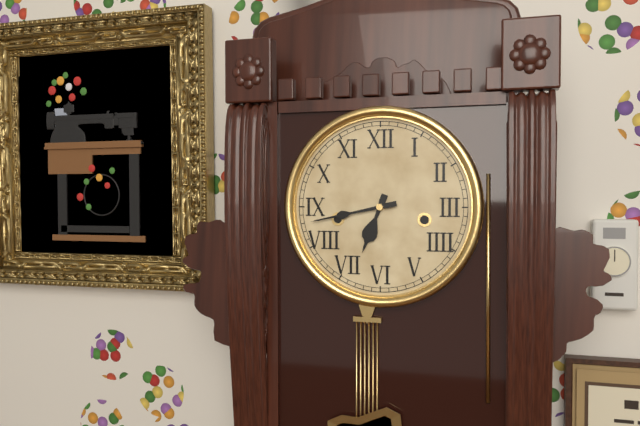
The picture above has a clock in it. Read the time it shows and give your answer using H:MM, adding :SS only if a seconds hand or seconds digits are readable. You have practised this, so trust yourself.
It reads 6:43
